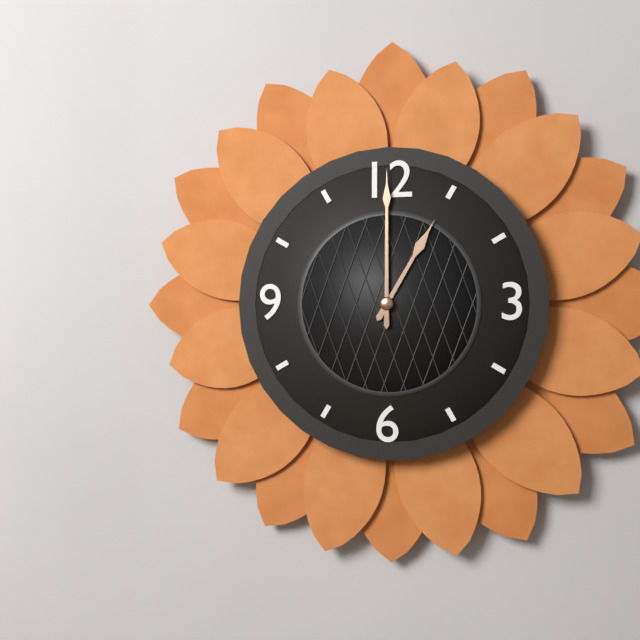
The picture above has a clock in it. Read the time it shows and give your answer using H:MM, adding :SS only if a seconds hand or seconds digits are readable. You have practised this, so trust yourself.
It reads 1:00
